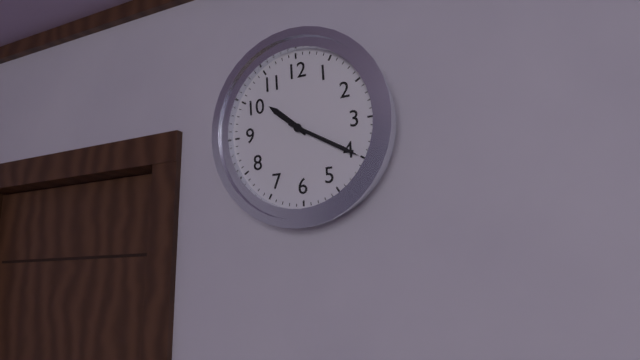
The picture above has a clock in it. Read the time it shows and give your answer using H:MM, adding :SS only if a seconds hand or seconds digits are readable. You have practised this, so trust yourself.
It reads 10:20
